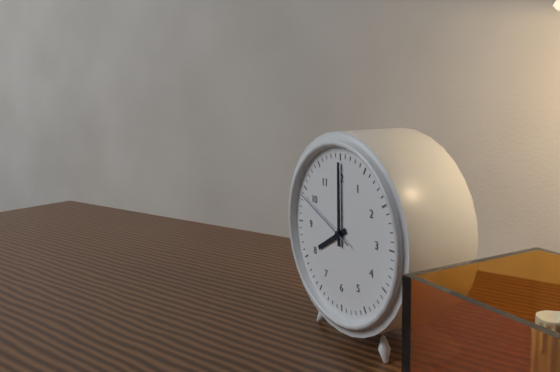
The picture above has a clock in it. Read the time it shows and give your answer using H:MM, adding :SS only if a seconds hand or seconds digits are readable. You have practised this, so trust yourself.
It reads 8:00:49
